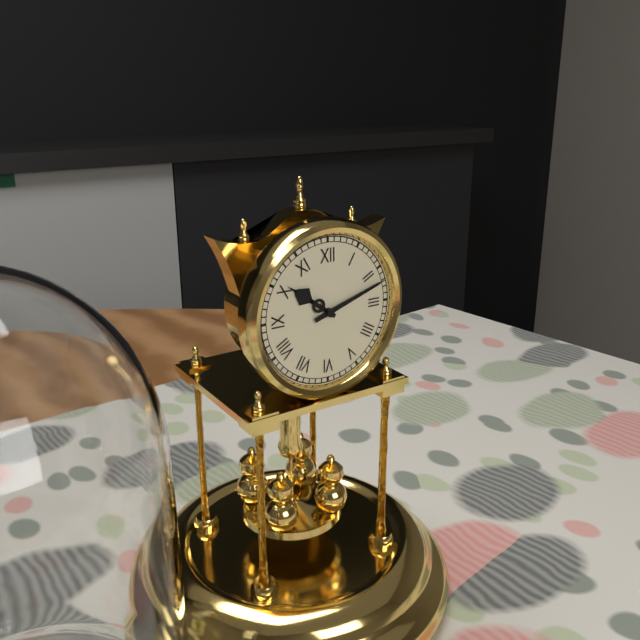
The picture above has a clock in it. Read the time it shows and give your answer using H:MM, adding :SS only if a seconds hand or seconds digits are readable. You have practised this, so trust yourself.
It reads 10:12
